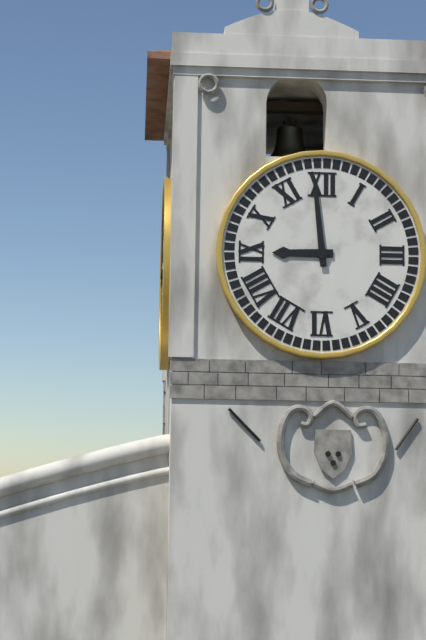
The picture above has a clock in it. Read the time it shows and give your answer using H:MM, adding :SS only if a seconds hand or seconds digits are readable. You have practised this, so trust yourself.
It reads 8:59
